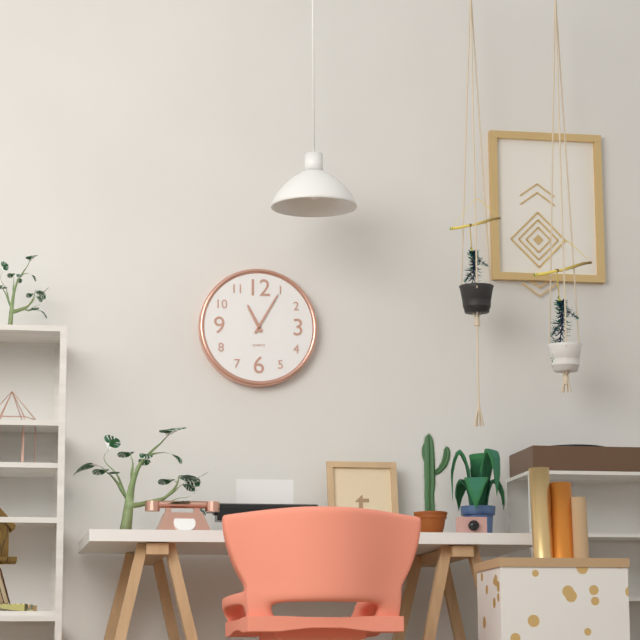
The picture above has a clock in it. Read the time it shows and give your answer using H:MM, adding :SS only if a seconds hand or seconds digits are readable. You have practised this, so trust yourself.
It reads 11:05
